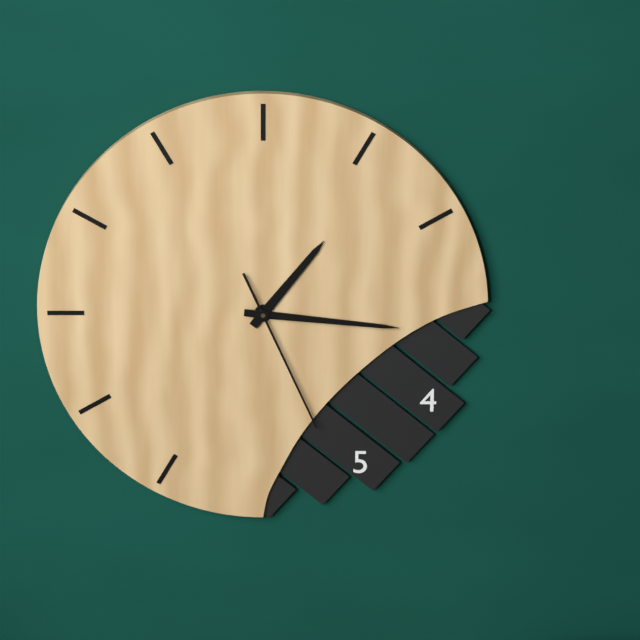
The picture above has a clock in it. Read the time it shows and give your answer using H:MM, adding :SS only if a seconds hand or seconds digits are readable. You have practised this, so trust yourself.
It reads 1:16:26
